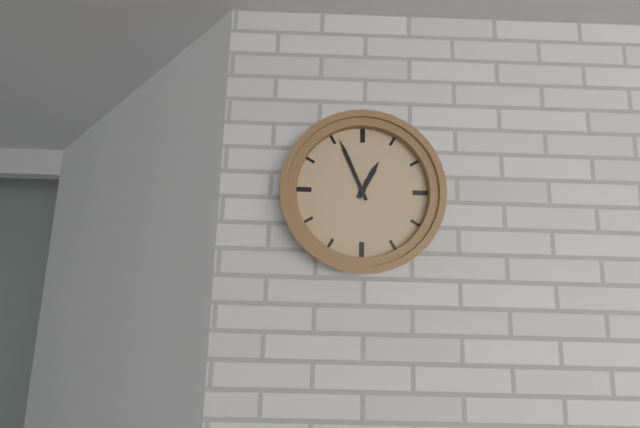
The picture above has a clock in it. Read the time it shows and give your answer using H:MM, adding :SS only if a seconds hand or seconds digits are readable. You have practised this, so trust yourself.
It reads 12:56
